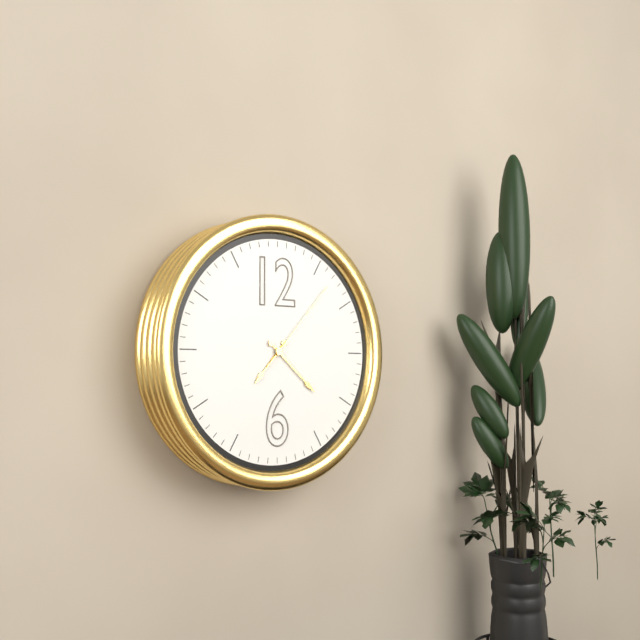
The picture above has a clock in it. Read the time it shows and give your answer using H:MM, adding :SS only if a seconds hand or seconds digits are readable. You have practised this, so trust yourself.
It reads 7:22:07
